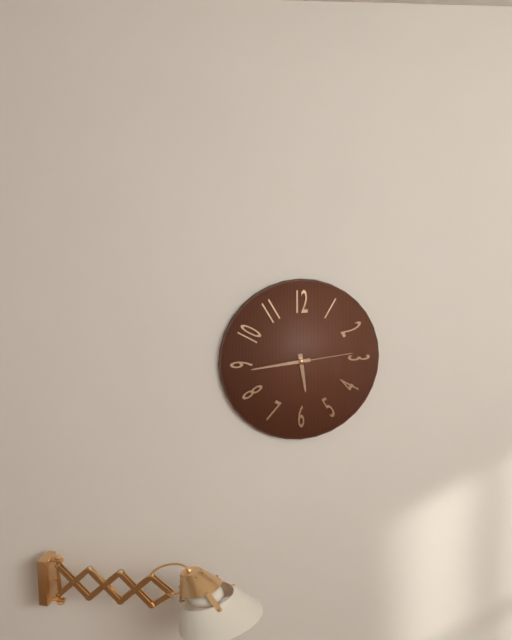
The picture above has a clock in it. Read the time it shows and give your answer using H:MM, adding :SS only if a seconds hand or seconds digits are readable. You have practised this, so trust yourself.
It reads 5:44:14
